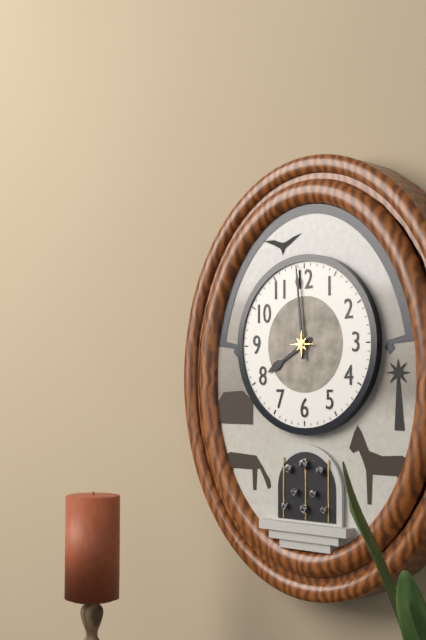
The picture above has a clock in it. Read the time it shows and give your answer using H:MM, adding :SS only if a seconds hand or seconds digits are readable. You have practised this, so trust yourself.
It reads 7:59
